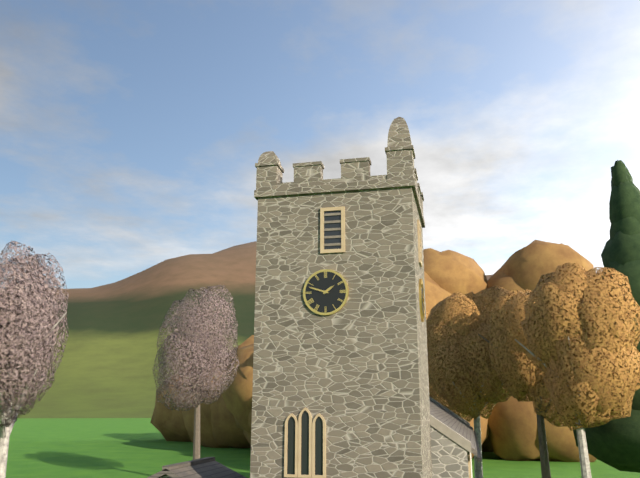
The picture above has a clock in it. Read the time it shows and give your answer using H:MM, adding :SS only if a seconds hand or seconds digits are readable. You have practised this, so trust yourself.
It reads 1:48
